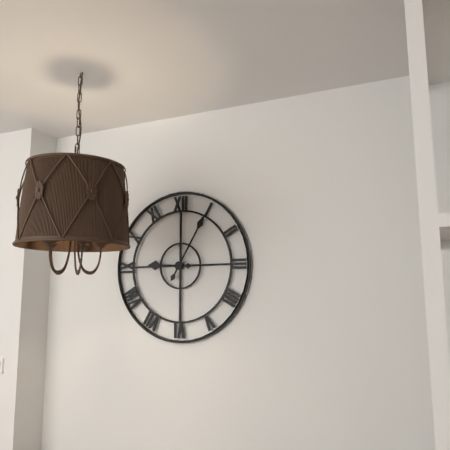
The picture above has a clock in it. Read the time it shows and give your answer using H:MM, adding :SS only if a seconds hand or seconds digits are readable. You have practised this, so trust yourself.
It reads 9:05
